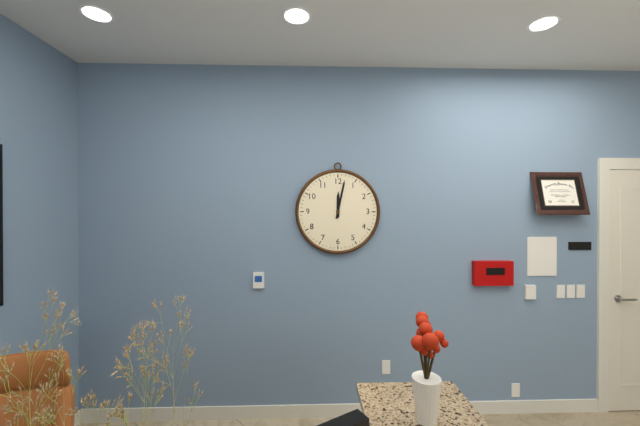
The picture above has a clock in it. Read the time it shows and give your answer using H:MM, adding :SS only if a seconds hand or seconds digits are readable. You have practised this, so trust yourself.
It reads 12:02
